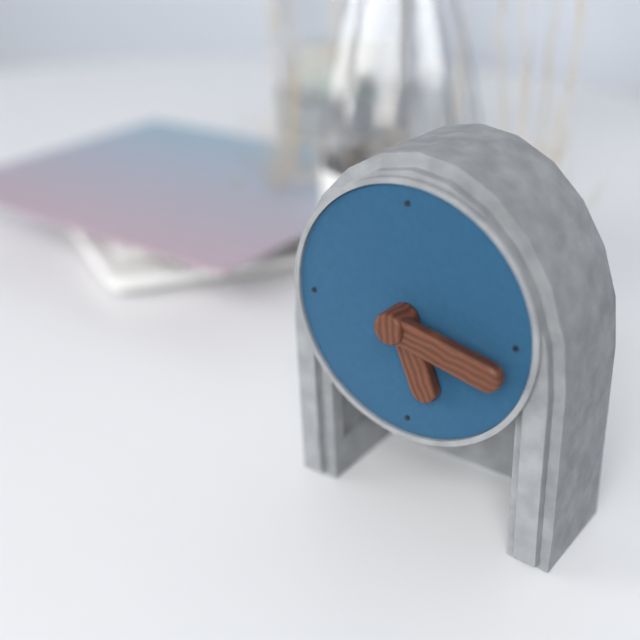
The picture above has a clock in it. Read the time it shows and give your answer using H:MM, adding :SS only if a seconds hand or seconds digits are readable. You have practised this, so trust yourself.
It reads 5:17
